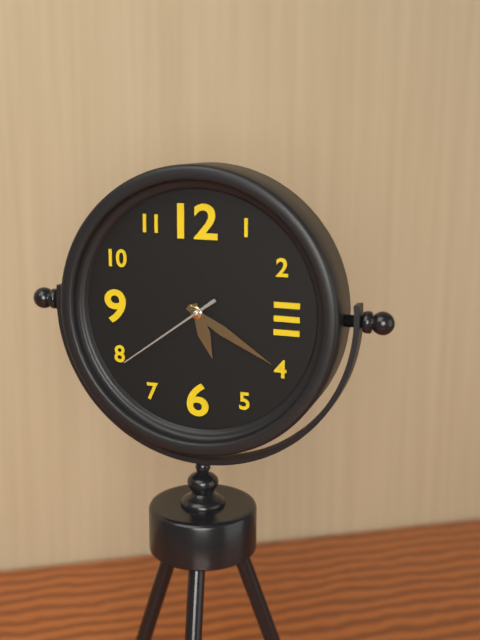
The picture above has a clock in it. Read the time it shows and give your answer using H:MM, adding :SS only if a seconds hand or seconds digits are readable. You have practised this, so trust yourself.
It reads 5:20:39
